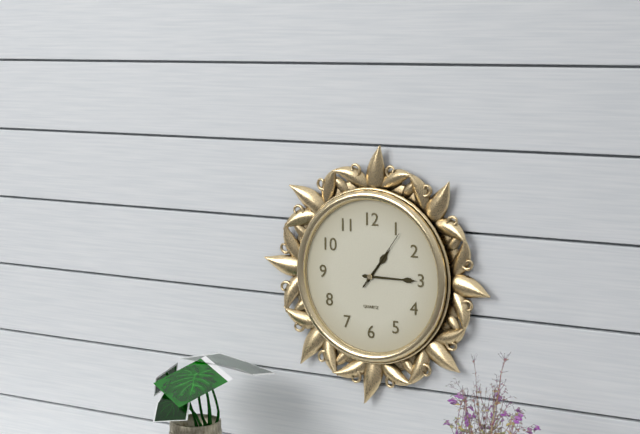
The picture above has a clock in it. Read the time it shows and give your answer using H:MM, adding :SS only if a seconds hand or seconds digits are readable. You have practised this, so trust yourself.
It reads 1:15:06
